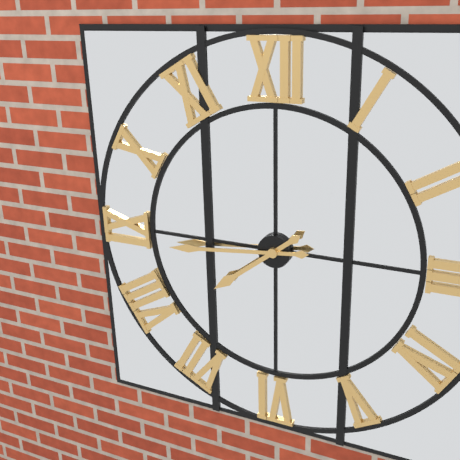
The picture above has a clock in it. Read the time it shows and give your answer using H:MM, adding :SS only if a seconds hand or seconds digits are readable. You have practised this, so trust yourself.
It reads 7:44
